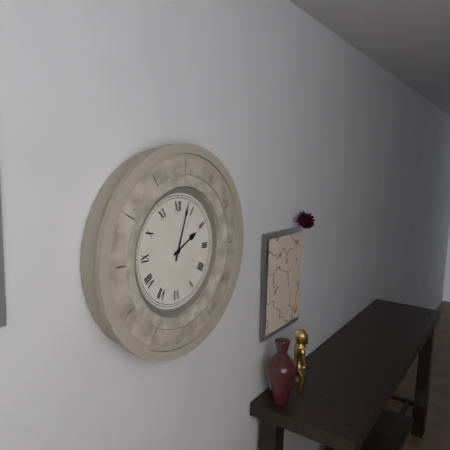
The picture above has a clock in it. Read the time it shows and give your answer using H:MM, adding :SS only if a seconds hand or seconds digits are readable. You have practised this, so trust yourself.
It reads 2:03
